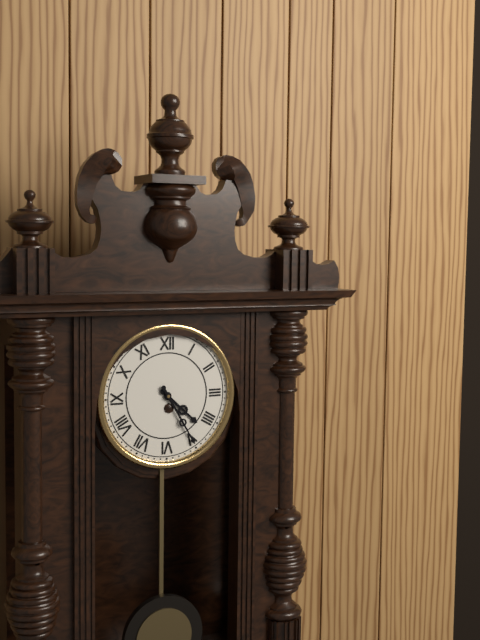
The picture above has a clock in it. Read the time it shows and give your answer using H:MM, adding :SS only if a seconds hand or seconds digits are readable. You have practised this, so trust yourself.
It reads 4:25
